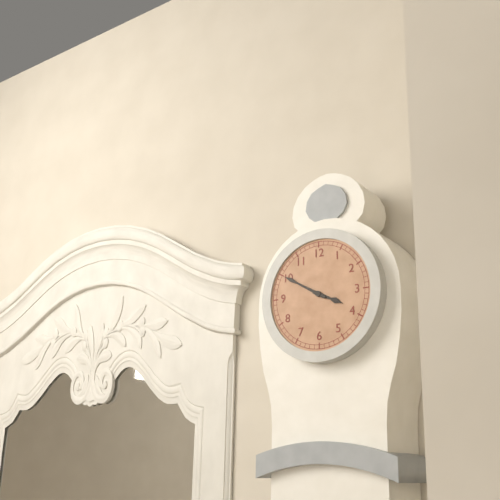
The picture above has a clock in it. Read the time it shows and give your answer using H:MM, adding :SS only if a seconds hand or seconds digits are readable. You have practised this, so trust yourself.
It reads 3:50
